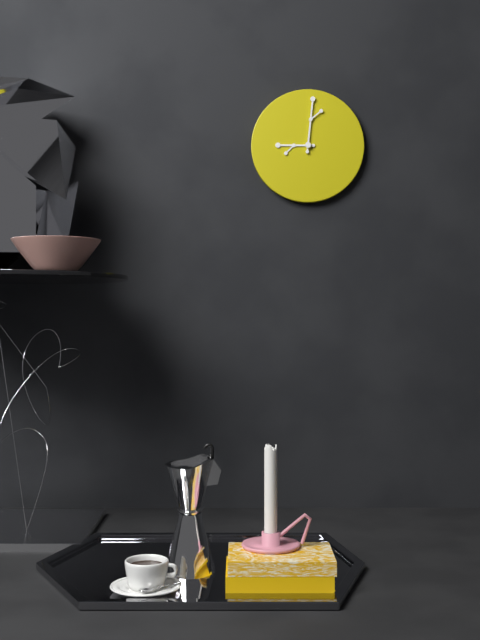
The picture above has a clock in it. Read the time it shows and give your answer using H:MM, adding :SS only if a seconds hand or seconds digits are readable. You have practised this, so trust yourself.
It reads 9:01
